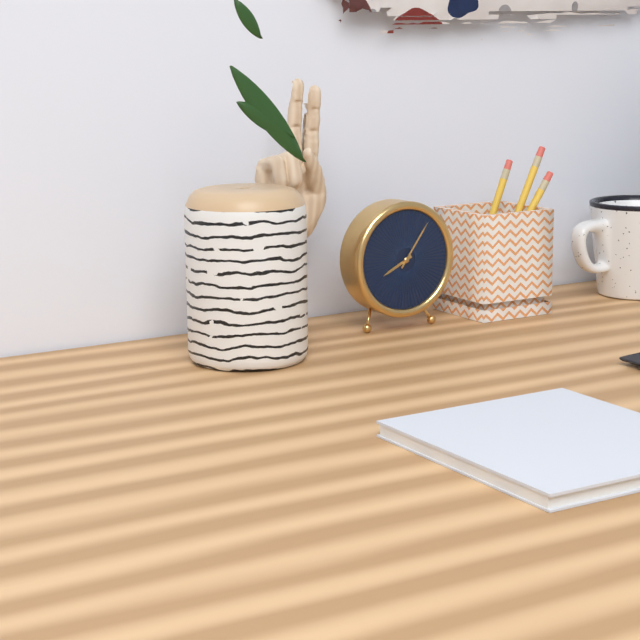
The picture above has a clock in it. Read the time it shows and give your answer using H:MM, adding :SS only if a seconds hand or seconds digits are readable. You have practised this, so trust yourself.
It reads 8:06
